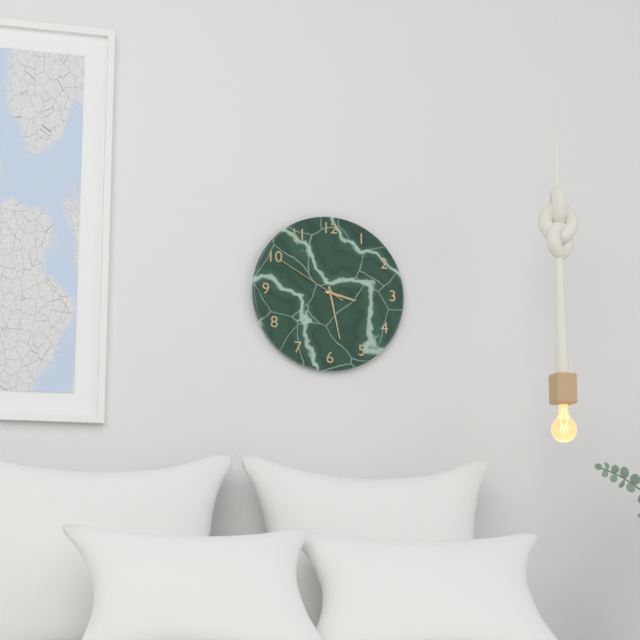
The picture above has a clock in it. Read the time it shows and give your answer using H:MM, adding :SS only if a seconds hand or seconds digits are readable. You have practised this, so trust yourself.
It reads 3:28:50
